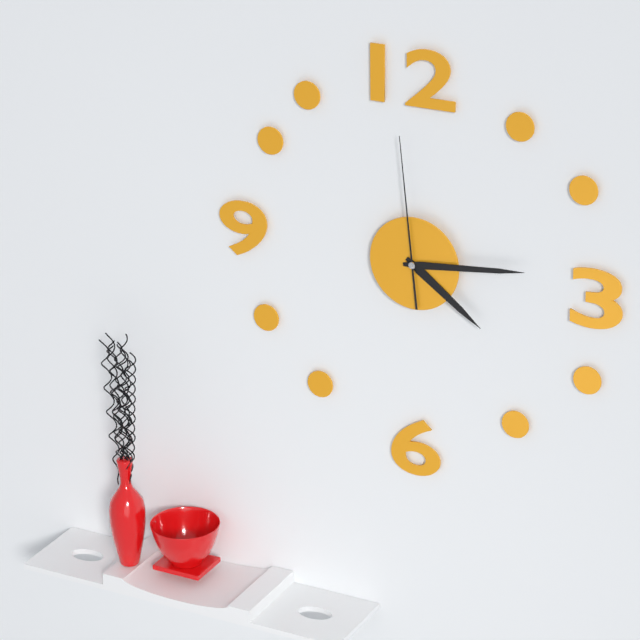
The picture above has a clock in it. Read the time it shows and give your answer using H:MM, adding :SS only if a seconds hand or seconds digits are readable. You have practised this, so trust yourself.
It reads 4:14:59
